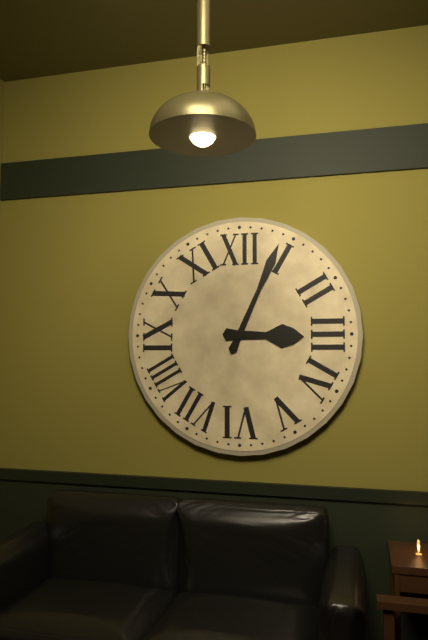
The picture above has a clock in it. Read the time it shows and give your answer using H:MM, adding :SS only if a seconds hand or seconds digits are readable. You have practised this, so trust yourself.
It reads 3:04
